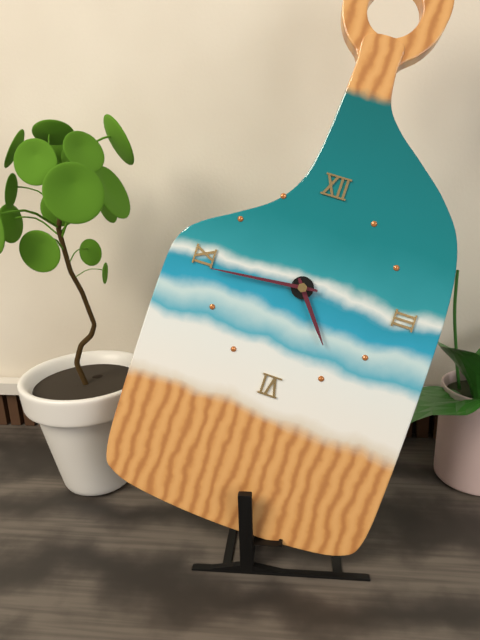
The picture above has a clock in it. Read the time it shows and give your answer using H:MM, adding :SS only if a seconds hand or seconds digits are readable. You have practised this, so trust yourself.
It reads 4:44
